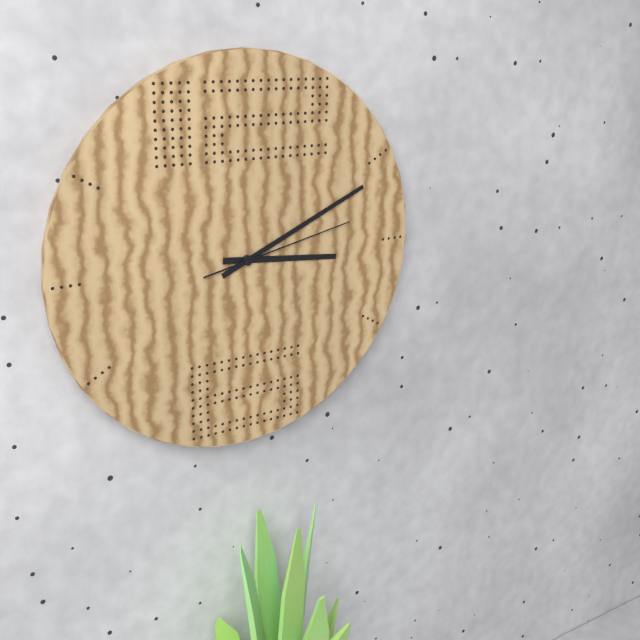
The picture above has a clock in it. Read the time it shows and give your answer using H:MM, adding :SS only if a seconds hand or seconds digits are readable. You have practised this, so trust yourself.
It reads 3:11:13
